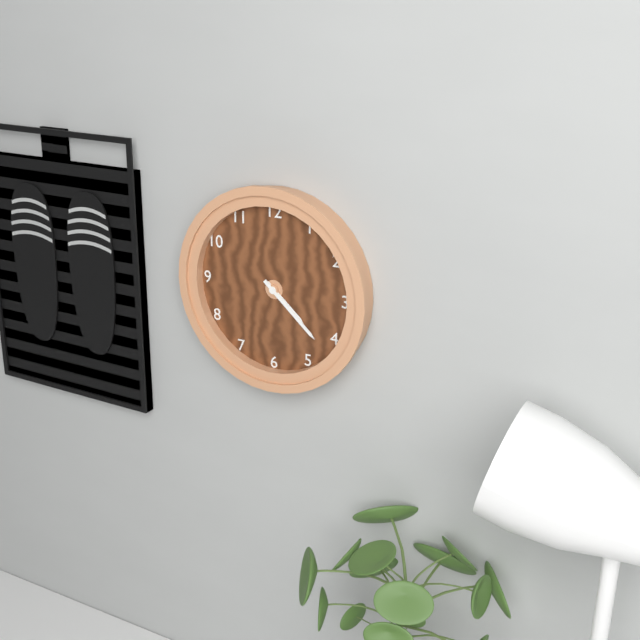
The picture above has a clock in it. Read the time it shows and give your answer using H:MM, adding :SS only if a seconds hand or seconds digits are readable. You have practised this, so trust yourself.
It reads 4:22
